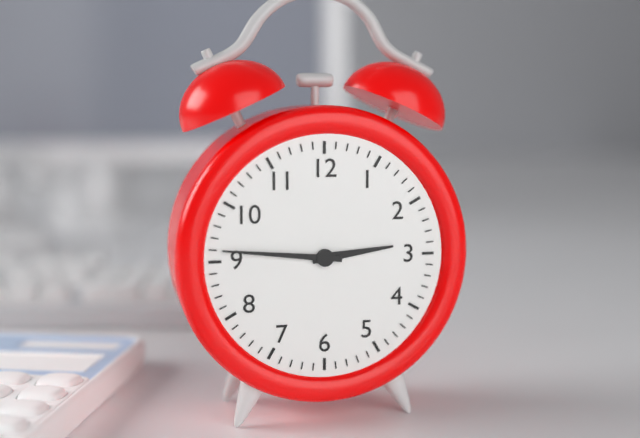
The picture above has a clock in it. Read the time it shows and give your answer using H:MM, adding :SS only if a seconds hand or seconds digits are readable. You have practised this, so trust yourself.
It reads 2:46
